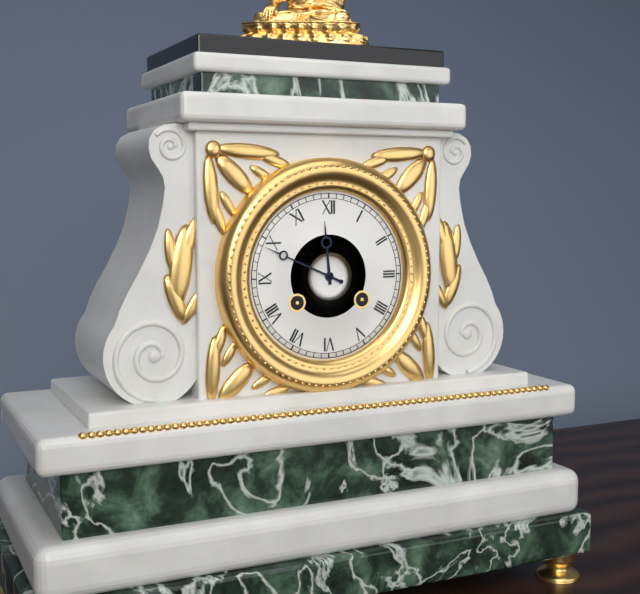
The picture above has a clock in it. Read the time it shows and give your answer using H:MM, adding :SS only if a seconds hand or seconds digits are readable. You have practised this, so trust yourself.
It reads 11:49
